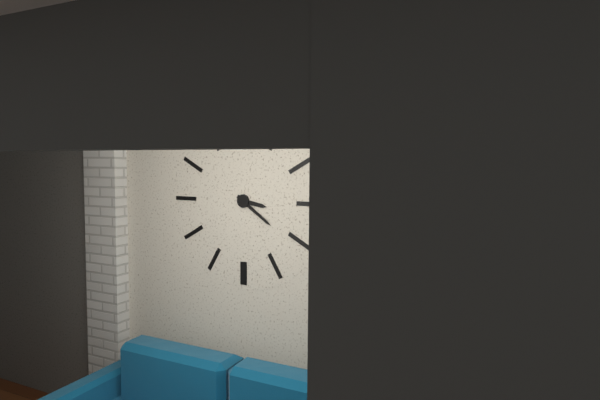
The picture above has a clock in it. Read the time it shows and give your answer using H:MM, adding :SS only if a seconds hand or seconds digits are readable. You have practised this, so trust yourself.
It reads 3:21
